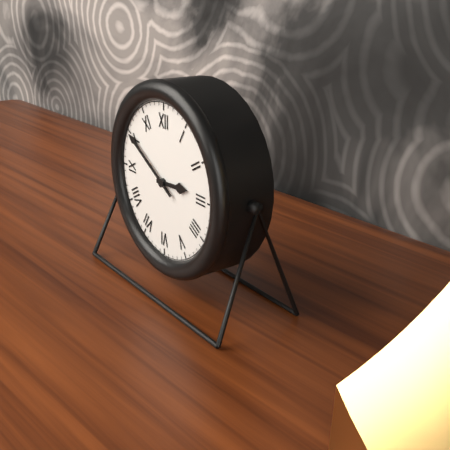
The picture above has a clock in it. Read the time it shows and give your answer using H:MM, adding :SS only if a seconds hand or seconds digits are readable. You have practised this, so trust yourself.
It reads 2:50
